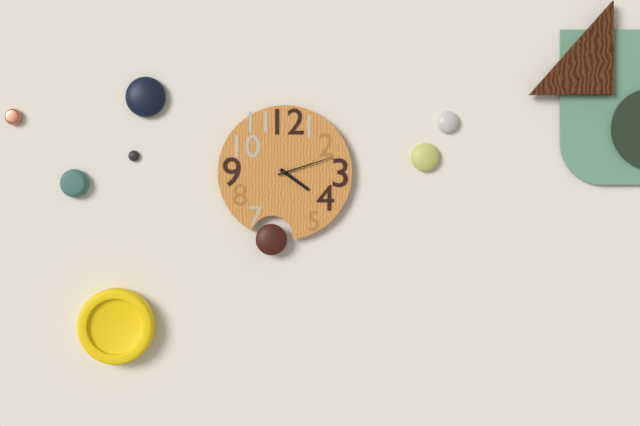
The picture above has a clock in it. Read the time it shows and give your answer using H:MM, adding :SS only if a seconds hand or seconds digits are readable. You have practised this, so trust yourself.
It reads 4:12
